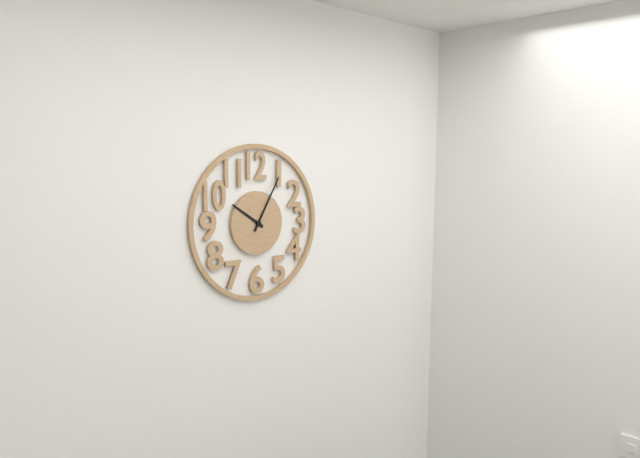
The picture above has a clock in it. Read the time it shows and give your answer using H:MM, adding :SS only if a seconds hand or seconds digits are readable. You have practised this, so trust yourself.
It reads 10:05
